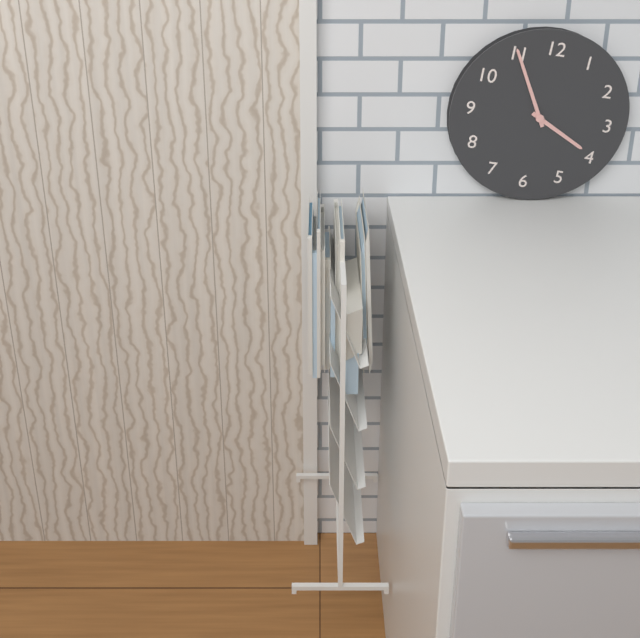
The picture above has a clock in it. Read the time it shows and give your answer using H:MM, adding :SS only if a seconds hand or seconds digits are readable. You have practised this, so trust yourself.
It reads 3:55
